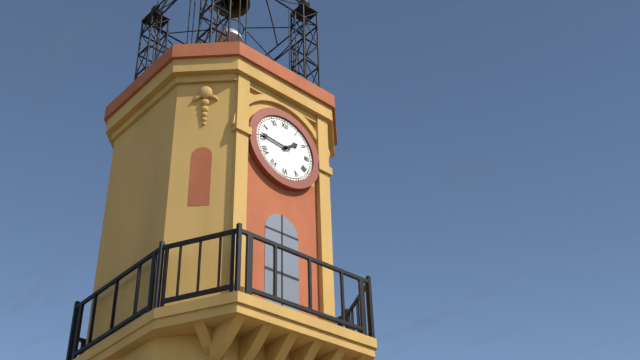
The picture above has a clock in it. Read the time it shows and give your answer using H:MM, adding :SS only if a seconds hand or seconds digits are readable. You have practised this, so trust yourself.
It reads 1:46
